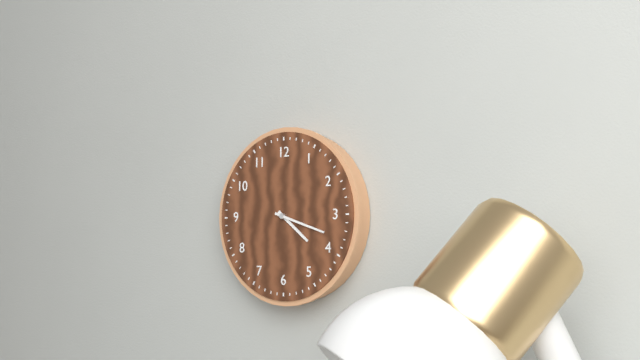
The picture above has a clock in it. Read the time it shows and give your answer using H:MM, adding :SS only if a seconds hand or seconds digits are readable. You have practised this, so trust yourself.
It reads 4:18
